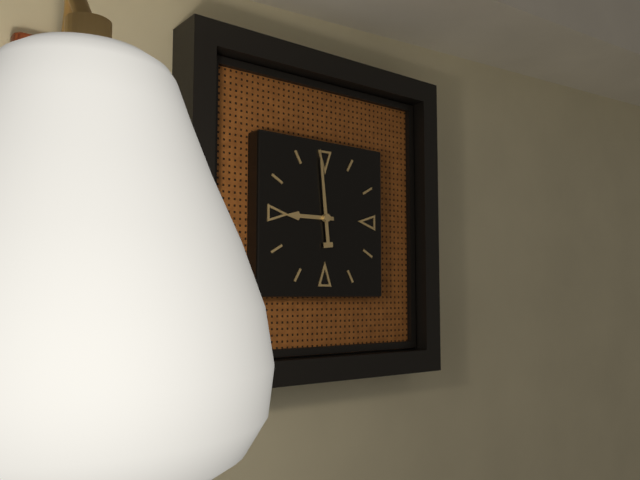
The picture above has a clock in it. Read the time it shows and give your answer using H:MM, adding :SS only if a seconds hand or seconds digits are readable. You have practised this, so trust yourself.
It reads 8:59
